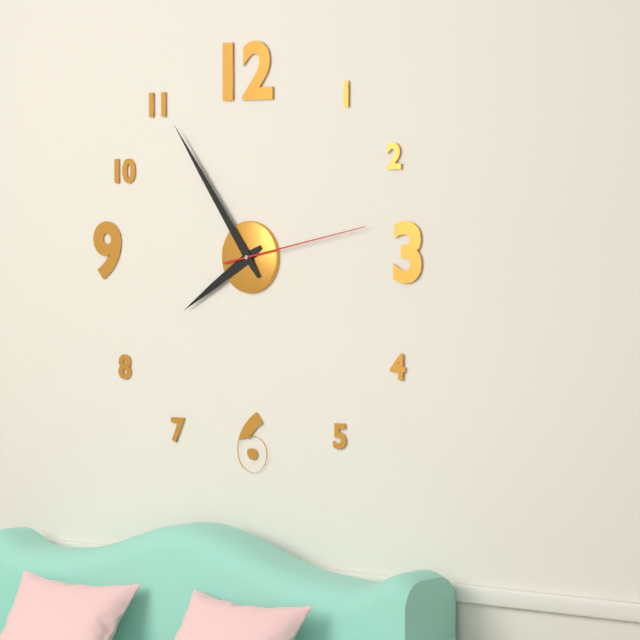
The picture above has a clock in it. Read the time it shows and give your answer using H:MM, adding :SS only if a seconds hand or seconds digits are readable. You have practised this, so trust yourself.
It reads 7:54:13
